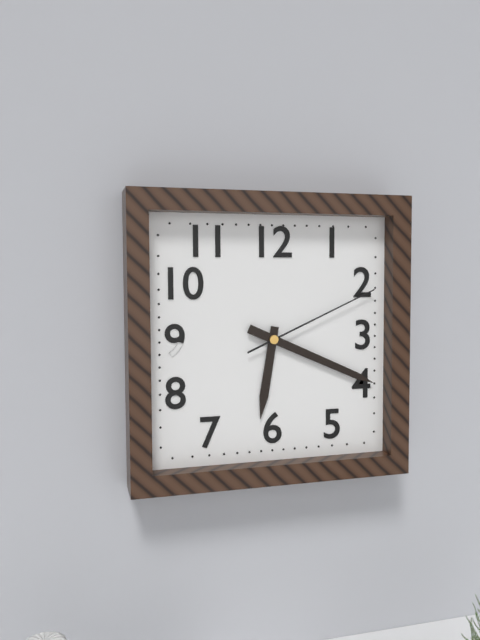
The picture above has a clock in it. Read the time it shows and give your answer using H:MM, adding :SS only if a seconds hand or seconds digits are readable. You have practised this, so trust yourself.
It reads 6:19:11
